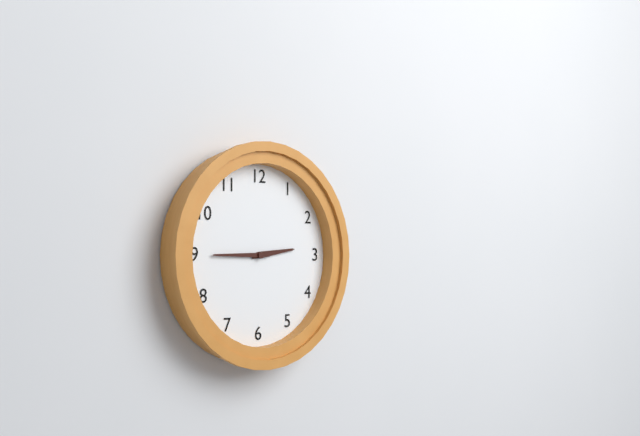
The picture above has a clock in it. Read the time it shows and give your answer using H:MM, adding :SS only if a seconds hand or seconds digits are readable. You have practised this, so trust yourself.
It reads 2:45
